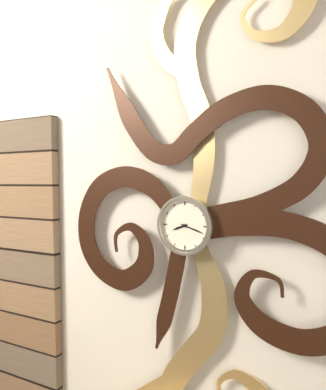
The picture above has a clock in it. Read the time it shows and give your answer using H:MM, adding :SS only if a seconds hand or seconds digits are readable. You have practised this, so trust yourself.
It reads 8:18
